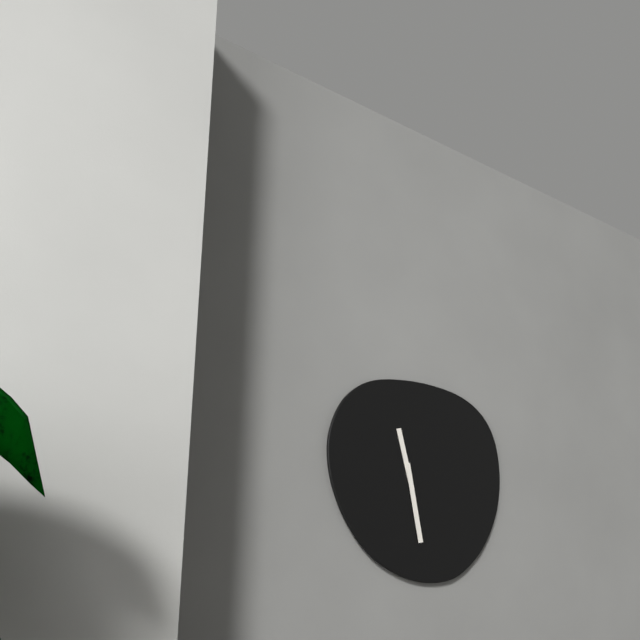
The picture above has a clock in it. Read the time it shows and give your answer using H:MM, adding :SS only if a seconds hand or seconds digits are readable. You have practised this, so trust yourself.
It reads 11:28
